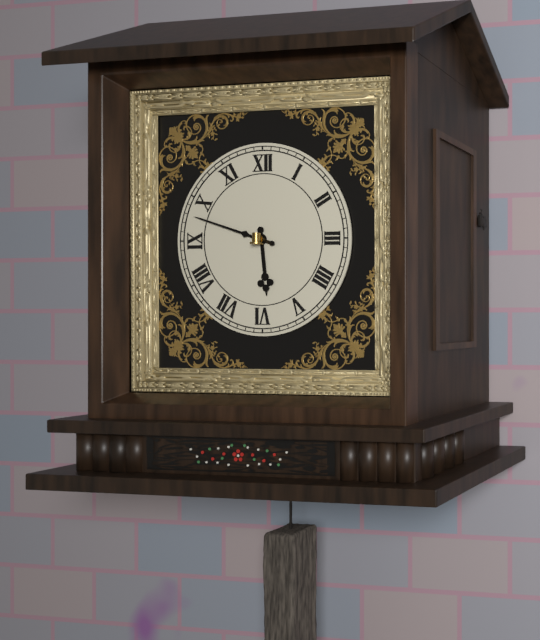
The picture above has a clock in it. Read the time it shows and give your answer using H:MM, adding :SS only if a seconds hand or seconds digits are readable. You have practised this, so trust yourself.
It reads 5:48
